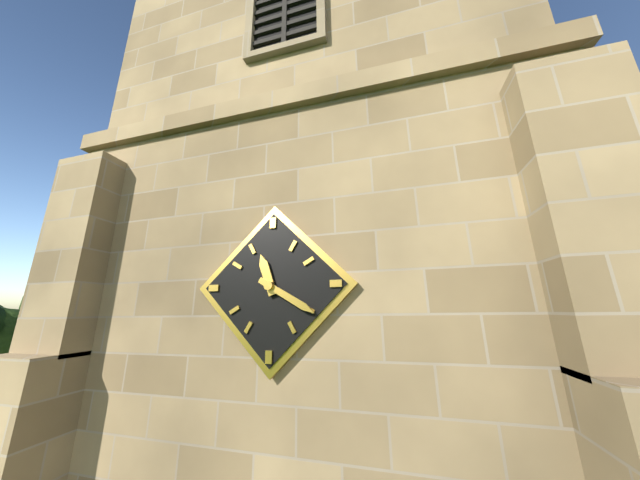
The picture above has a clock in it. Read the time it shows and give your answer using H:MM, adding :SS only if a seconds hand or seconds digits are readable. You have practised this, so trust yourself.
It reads 11:20
